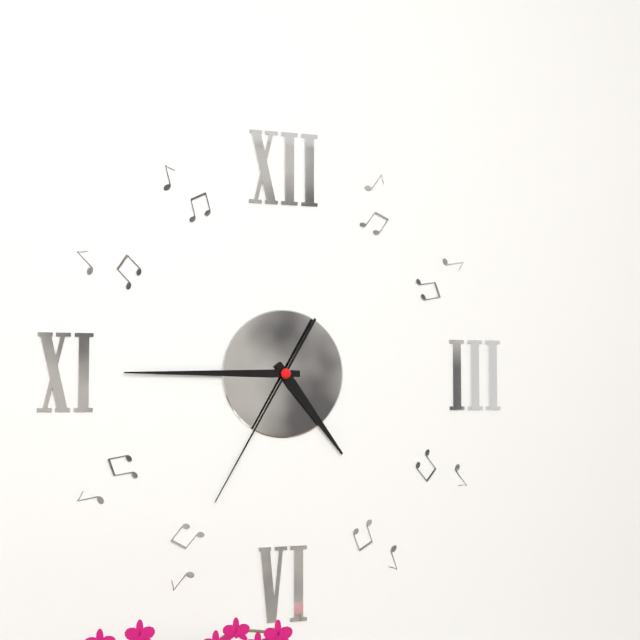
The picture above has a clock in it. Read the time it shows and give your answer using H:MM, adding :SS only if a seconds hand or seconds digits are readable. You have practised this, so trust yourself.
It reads 4:45:35
